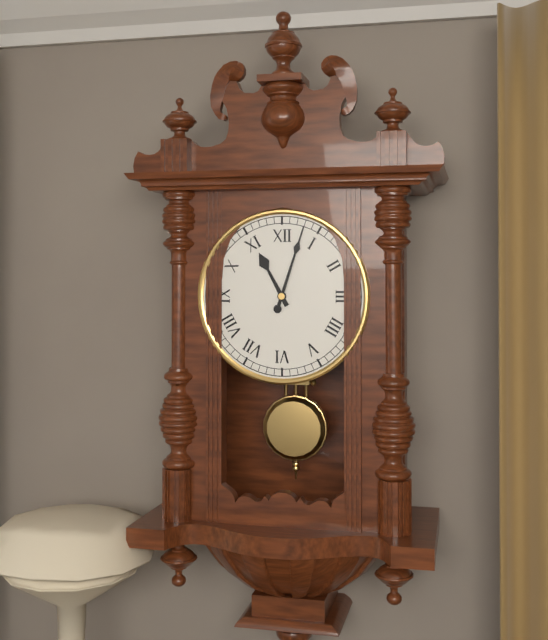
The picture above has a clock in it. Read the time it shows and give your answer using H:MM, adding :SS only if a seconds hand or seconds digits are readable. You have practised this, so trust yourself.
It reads 11:03
